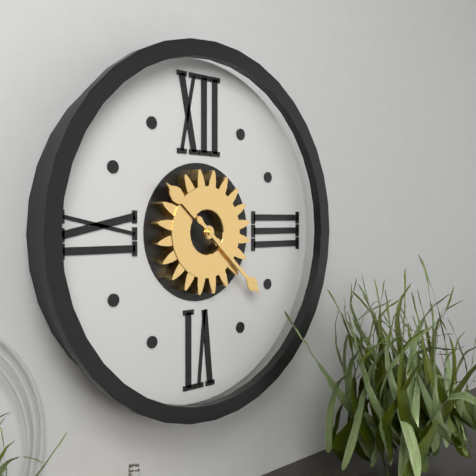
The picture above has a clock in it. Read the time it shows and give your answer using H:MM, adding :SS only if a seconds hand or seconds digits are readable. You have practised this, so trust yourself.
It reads 10:22
